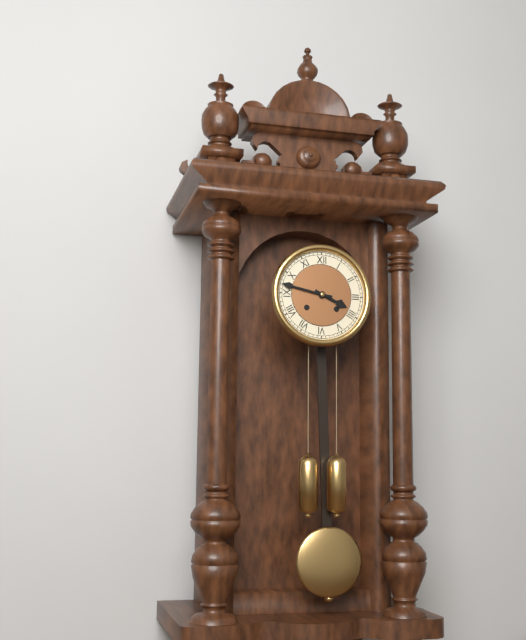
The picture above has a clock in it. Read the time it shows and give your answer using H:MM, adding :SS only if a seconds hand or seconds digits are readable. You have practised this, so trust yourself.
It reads 3:47
